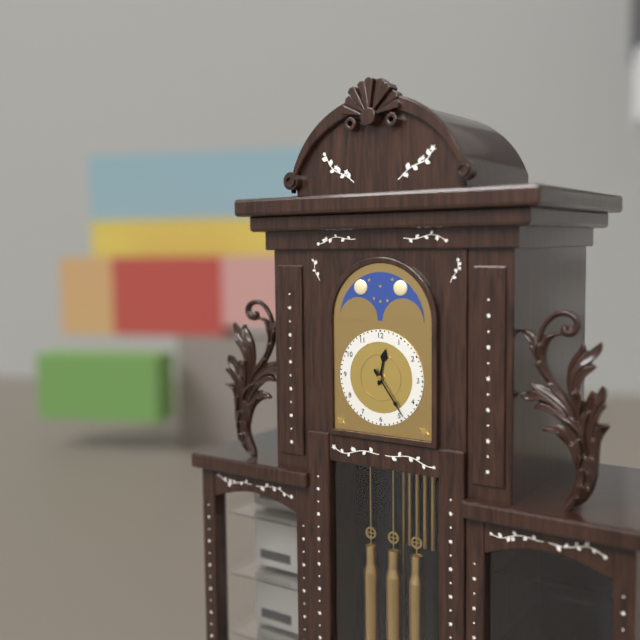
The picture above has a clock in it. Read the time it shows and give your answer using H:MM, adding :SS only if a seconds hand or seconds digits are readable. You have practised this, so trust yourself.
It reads 12:24
